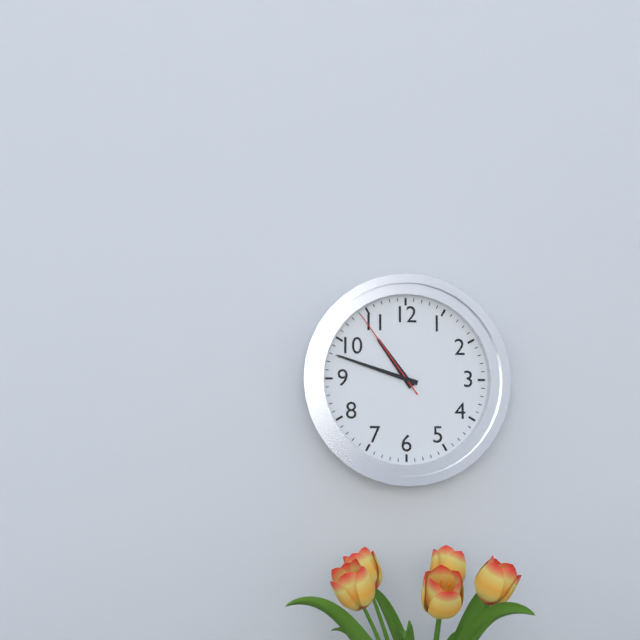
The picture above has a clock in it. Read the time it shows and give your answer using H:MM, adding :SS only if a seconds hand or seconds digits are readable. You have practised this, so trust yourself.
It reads 10:48:54
